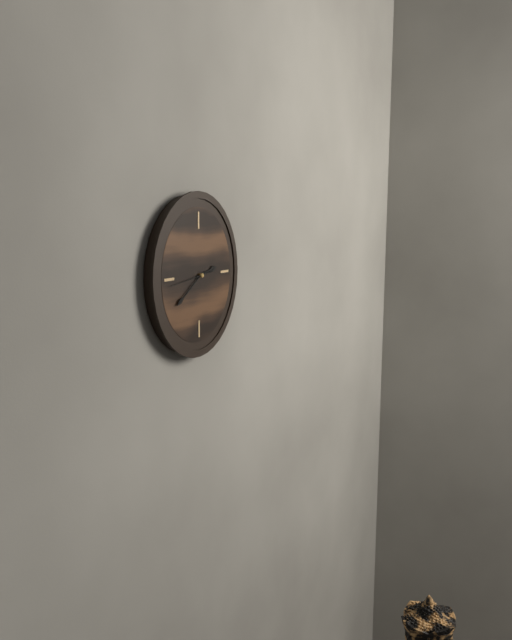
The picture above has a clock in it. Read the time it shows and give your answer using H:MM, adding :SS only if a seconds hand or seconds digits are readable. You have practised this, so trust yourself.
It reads 2:40
